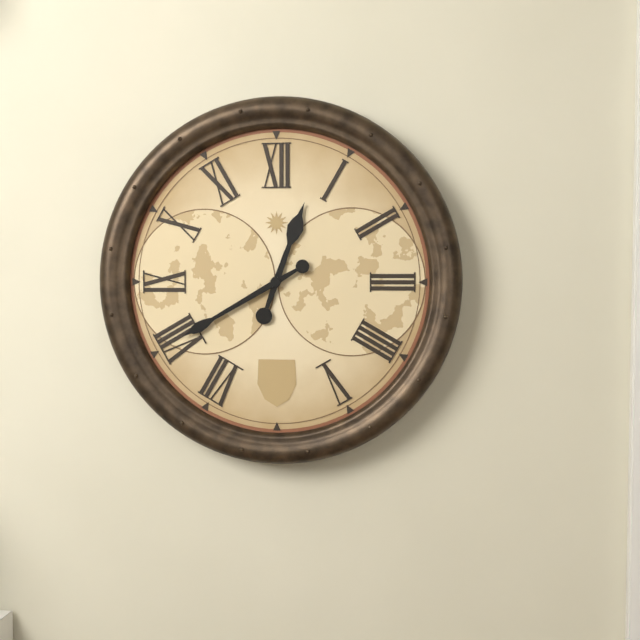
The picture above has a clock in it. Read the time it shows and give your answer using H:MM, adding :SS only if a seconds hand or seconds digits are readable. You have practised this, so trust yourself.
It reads 12:40
